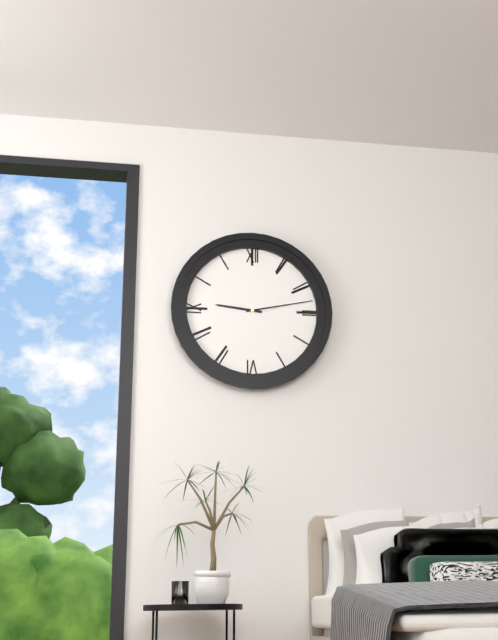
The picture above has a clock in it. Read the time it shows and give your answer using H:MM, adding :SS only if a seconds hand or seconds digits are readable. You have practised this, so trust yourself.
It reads 9:13
